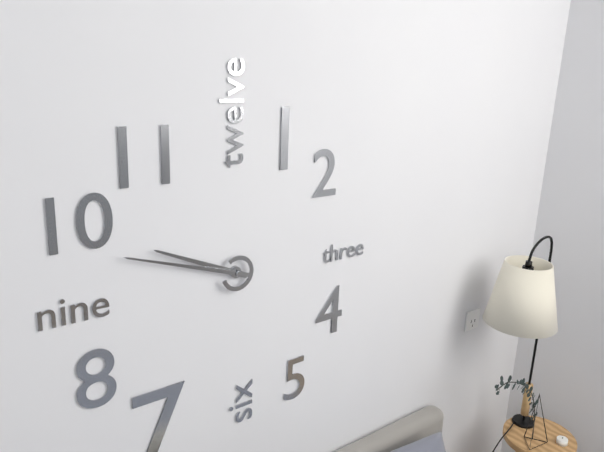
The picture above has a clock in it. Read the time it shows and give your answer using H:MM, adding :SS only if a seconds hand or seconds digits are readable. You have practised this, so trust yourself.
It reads 9:48
